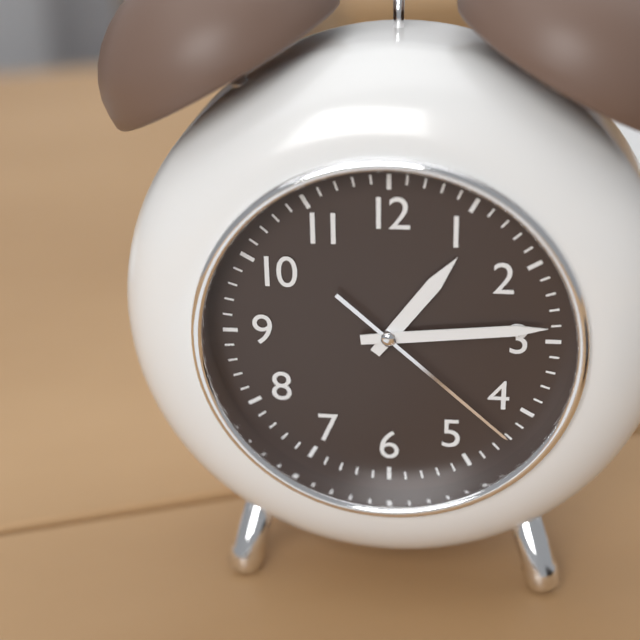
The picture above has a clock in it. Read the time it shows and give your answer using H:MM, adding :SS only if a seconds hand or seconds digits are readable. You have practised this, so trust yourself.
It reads 1:14:22
